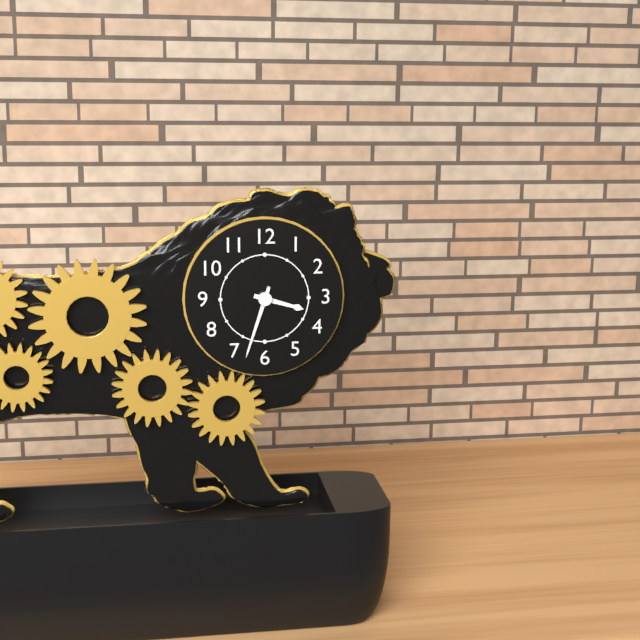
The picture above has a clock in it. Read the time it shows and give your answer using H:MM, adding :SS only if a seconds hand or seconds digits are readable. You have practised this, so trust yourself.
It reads 3:33
